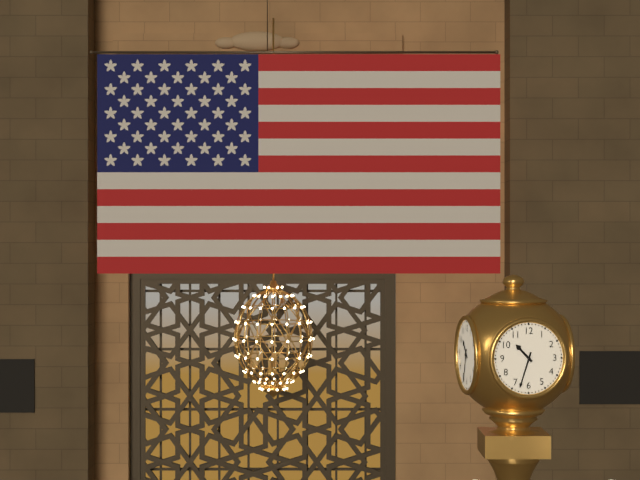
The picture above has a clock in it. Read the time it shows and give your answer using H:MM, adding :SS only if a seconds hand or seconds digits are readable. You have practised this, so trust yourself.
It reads 10:33
